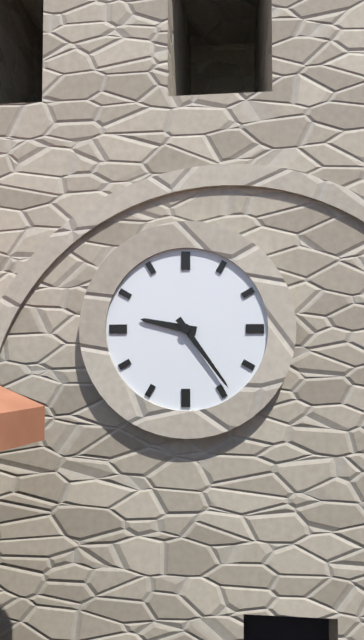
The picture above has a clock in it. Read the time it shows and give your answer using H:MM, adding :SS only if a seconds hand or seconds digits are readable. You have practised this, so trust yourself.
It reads 9:24
